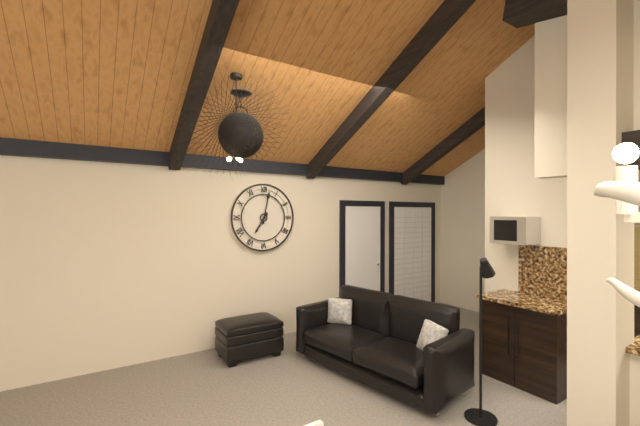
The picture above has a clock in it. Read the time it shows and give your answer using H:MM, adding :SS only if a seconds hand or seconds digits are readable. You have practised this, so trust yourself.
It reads 7:02
